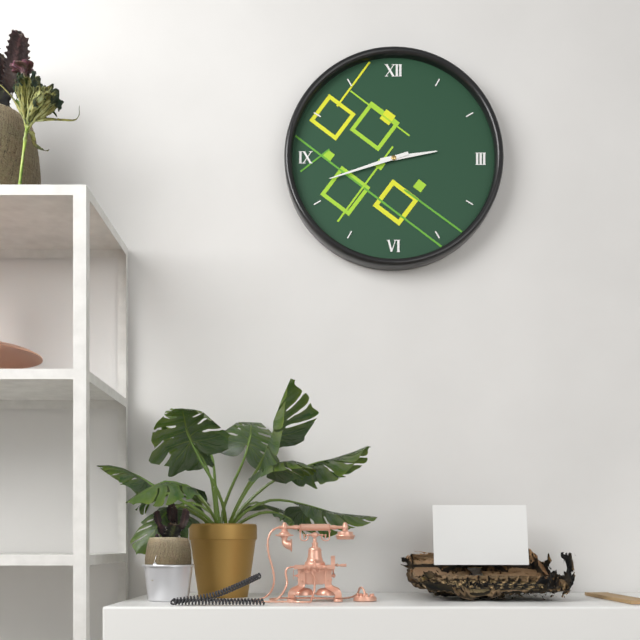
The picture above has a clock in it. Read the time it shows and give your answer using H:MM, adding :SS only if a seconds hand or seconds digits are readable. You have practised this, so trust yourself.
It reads 2:42
